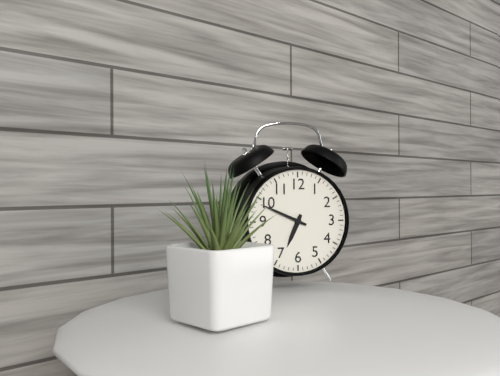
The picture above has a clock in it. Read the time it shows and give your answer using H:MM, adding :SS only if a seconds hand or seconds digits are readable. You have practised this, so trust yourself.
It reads 6:49
